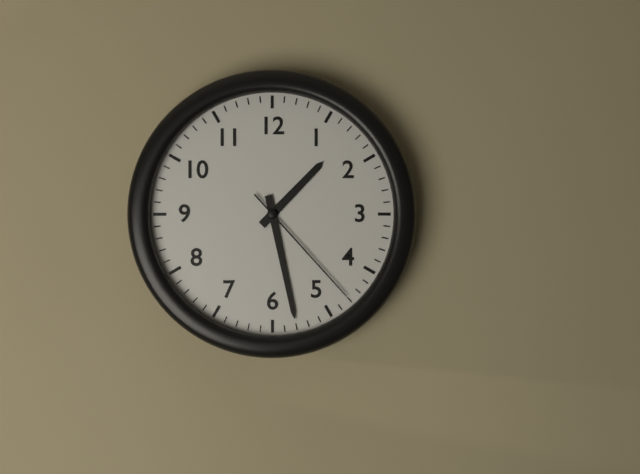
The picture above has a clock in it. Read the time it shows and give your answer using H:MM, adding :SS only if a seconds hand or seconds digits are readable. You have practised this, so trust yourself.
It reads 1:28:23
